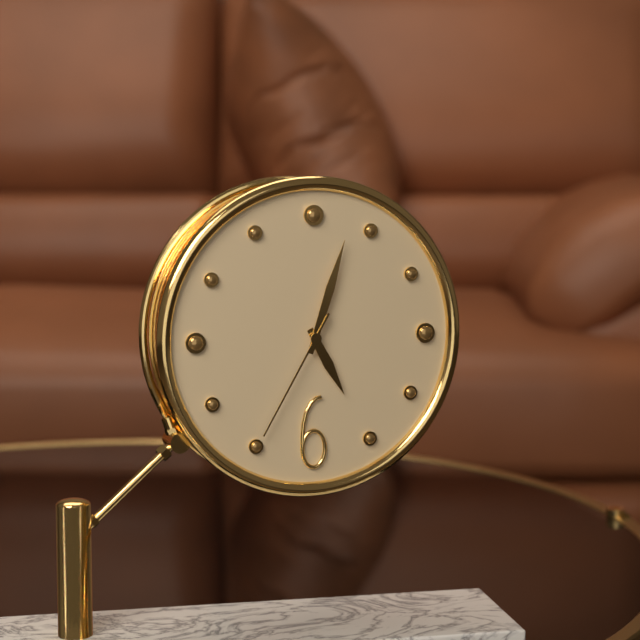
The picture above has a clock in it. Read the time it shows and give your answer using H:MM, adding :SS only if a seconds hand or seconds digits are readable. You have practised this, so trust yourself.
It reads 5:03:35
